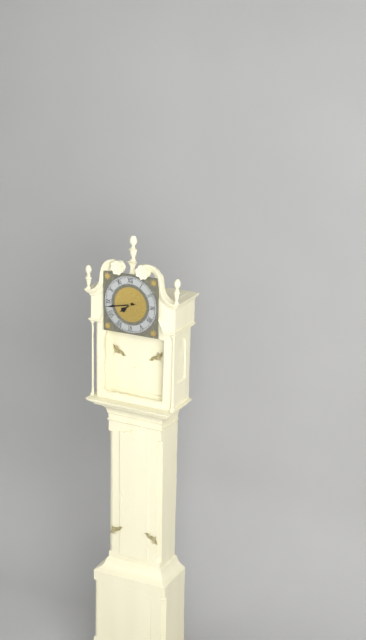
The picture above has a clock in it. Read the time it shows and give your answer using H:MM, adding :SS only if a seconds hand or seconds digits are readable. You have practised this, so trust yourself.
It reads 7:43
